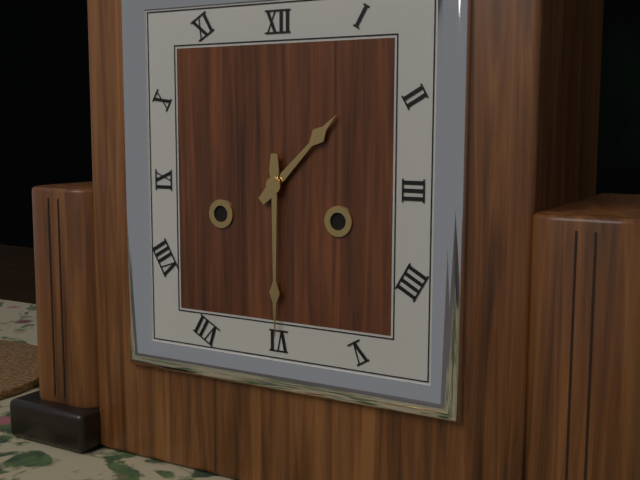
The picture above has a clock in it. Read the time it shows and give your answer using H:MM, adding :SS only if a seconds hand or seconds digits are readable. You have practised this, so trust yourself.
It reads 1:30
